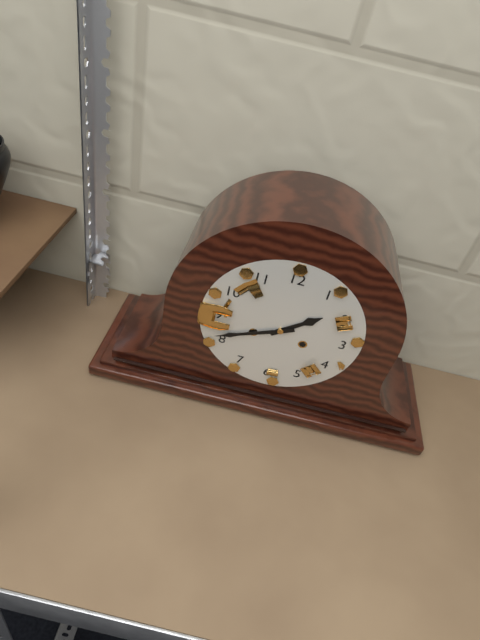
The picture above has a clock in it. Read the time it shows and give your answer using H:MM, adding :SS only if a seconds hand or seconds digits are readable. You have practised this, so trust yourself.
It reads 1:41
